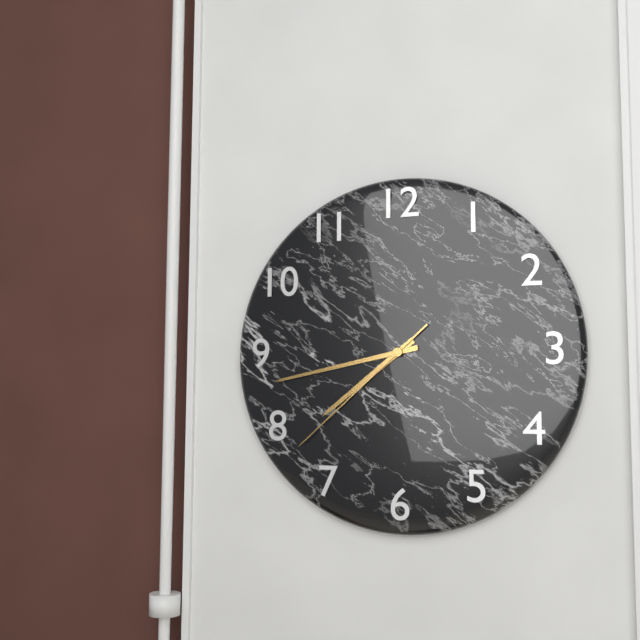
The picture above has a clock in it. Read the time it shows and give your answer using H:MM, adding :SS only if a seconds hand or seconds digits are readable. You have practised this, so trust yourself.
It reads 7:43:38
